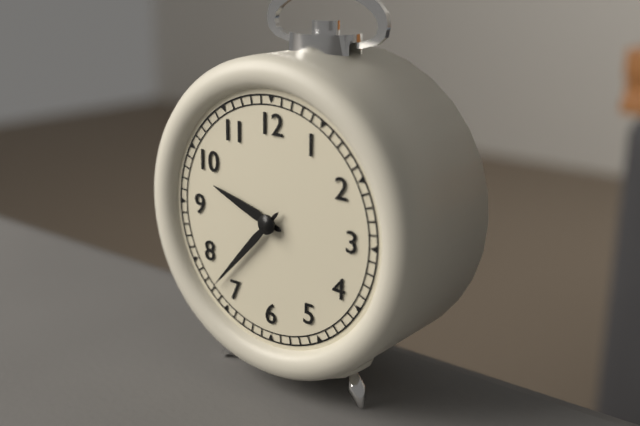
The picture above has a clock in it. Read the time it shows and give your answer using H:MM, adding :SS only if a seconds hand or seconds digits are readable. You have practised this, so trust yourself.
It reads 9:37
